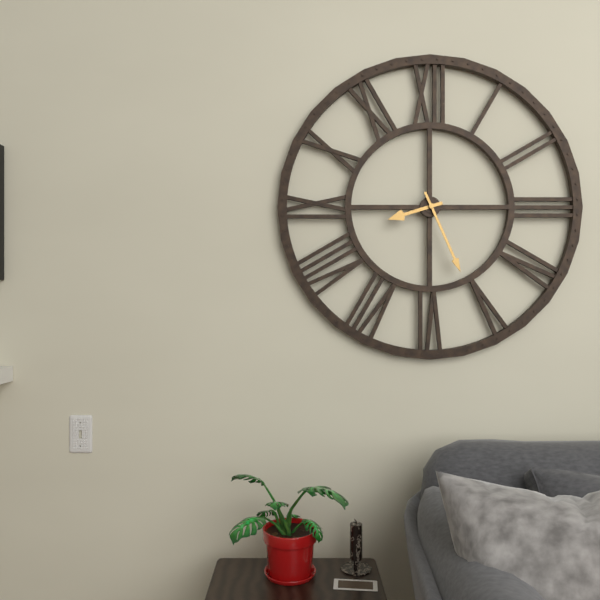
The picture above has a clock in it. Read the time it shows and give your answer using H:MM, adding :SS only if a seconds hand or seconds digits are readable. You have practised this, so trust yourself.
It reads 8:26
